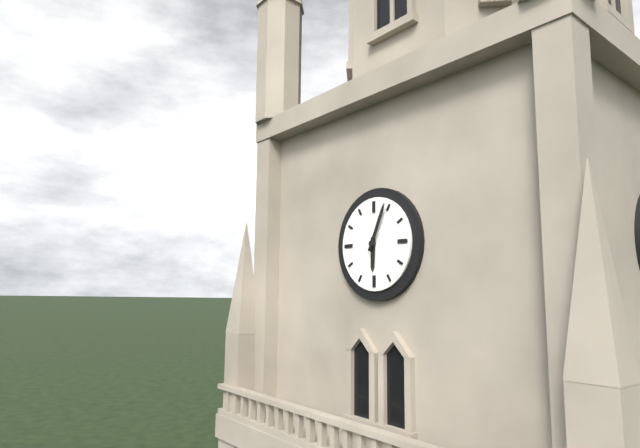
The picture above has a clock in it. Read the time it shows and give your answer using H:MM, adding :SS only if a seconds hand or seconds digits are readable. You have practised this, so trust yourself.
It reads 6:04
